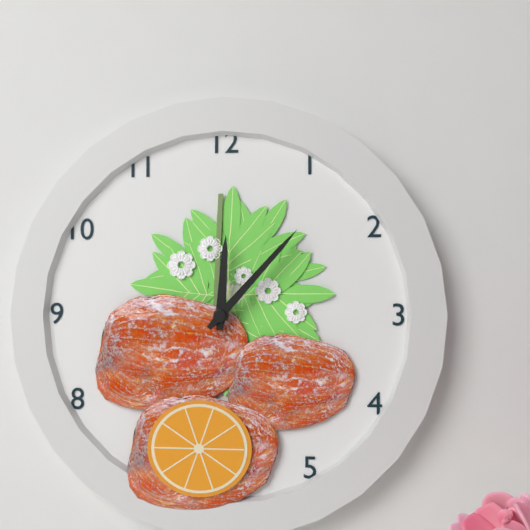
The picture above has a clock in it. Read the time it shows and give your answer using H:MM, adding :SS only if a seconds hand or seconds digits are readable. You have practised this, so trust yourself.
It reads 12:07
